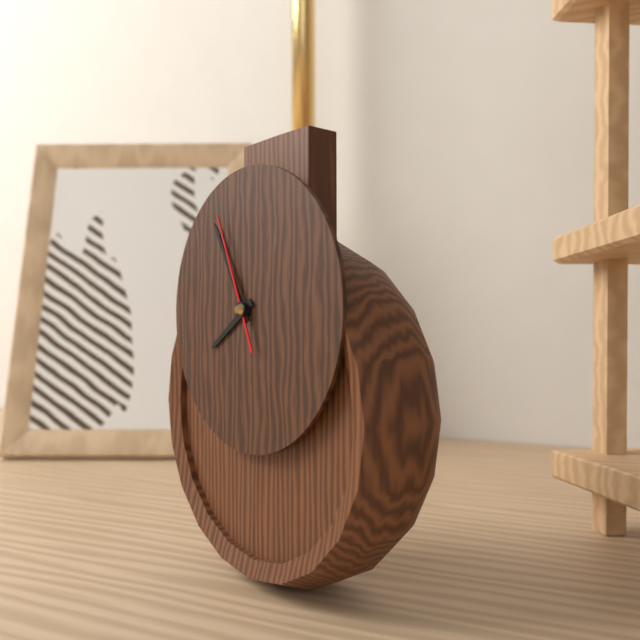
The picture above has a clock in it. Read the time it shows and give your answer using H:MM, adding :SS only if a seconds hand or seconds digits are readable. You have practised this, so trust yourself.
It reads 7:55:56
